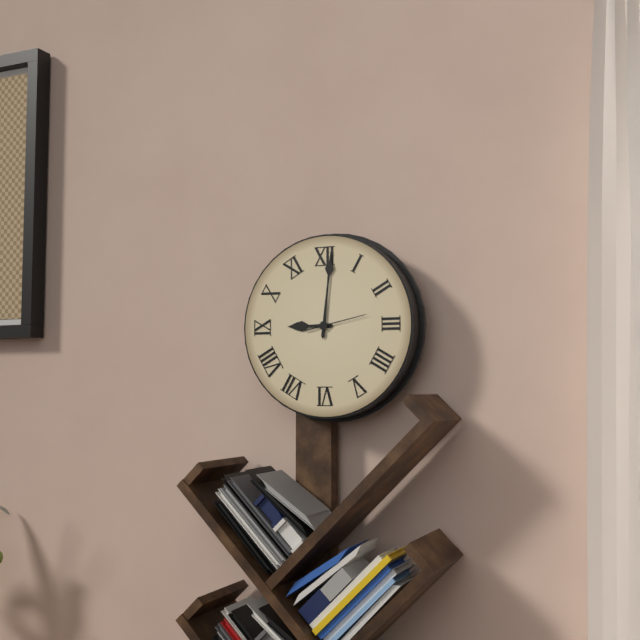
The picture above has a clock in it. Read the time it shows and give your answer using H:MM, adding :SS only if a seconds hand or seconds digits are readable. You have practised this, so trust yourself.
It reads 9:01:13
